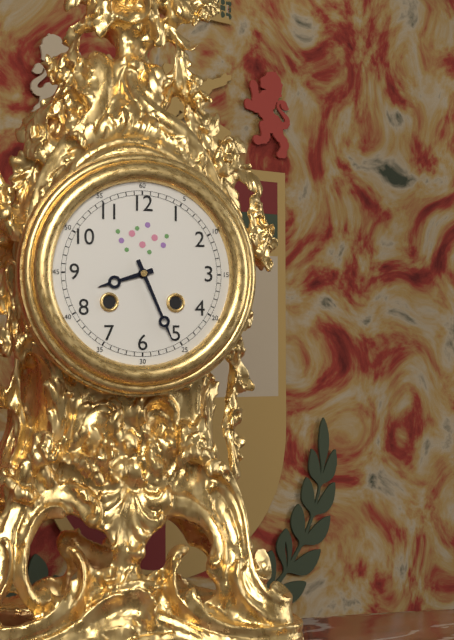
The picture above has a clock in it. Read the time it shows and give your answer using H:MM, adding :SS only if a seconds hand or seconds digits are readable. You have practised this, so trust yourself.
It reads 8:26
